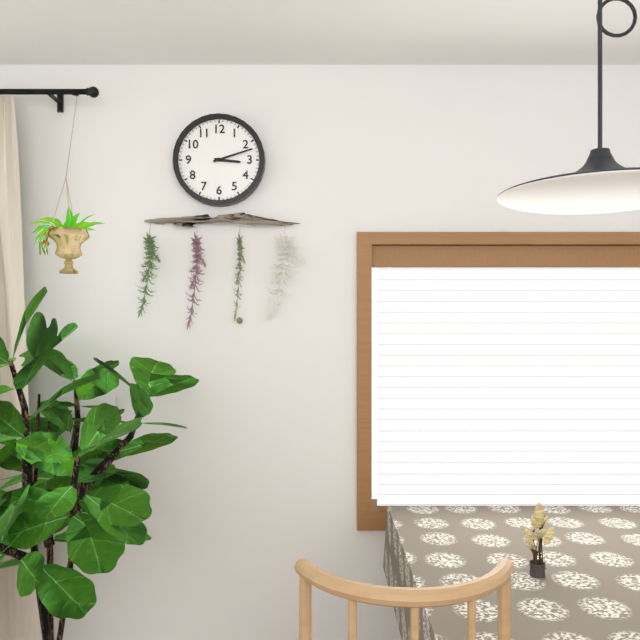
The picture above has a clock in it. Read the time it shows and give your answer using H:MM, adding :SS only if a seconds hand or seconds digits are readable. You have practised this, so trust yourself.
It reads 3:12
